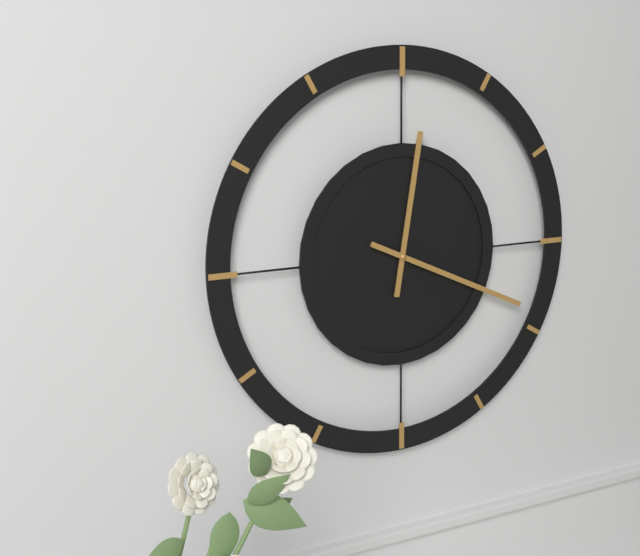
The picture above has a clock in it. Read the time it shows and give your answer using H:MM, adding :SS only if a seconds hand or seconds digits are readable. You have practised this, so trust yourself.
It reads 12:19
